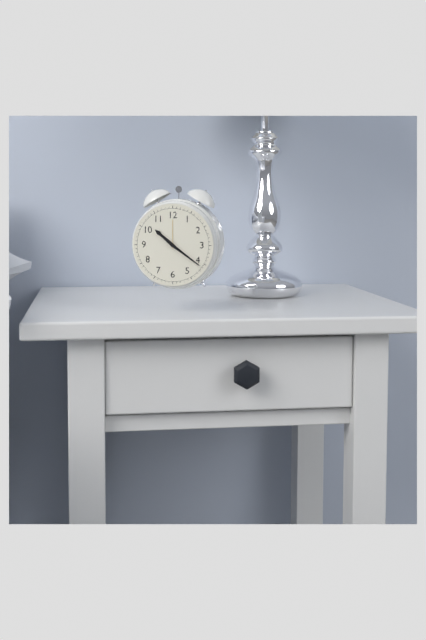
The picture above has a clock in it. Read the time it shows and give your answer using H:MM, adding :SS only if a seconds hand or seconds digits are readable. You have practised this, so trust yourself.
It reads 10:21
